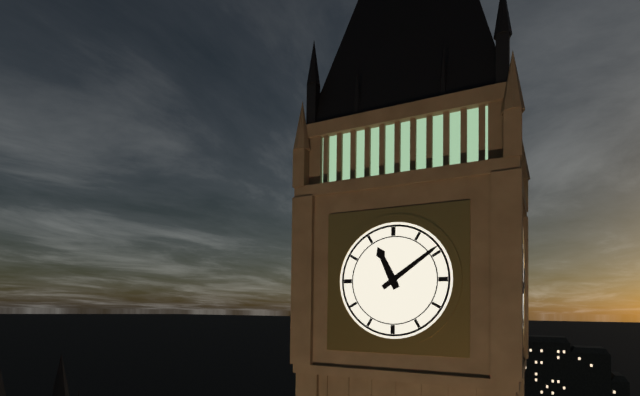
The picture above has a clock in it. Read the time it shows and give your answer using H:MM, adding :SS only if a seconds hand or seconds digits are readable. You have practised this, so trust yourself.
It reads 11:09
